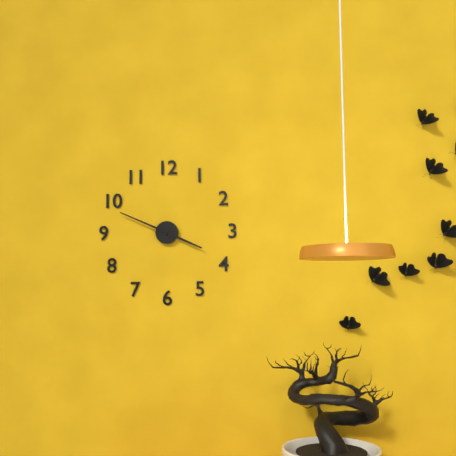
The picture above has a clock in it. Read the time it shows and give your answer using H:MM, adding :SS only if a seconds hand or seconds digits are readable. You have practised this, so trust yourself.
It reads 3:49
